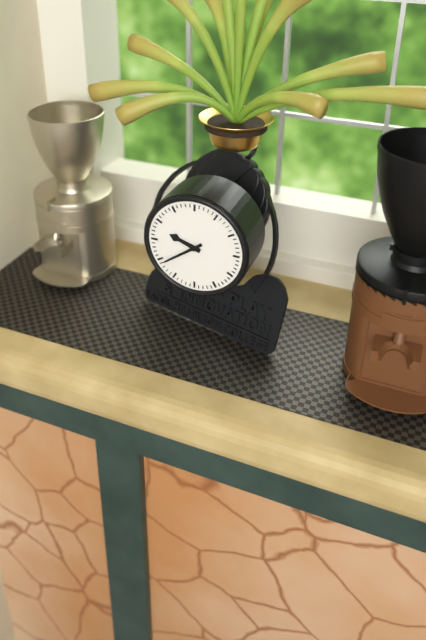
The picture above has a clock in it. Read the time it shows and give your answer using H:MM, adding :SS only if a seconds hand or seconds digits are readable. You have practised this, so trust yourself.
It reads 9:39
